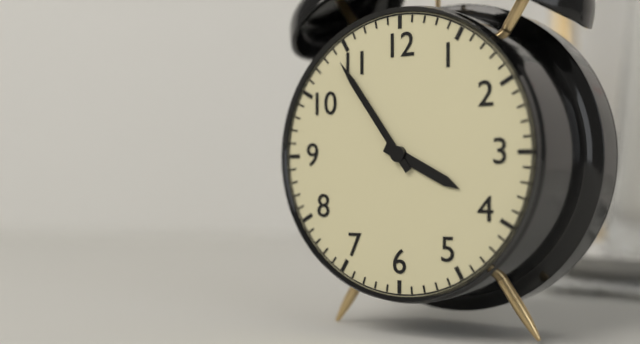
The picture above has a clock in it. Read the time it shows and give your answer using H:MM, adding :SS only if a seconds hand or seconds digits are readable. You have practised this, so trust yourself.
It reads 3:54
